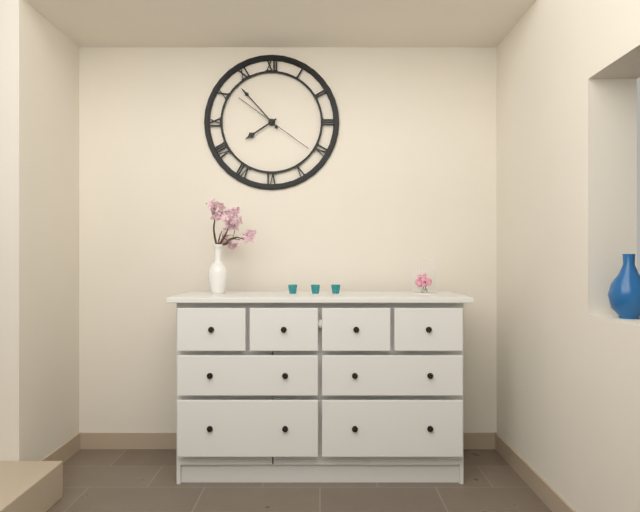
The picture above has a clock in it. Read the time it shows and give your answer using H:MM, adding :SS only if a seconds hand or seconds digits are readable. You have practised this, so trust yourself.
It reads 7:53:21
